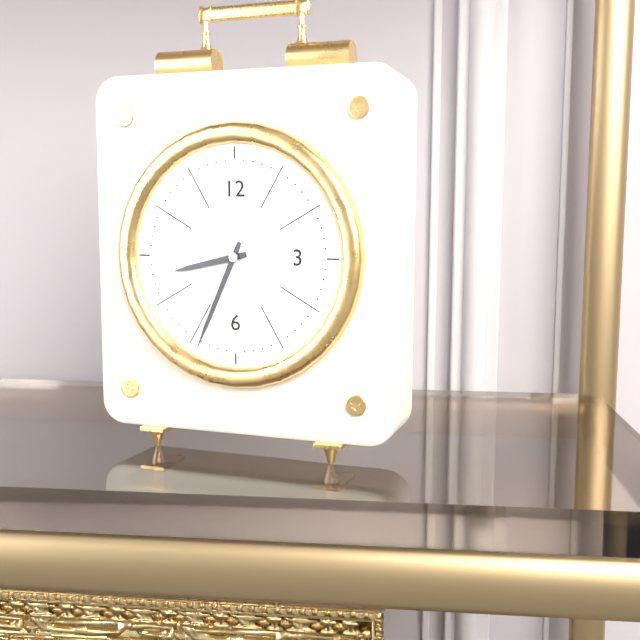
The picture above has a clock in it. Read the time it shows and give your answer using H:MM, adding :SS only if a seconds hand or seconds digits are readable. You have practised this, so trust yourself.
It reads 8:34
